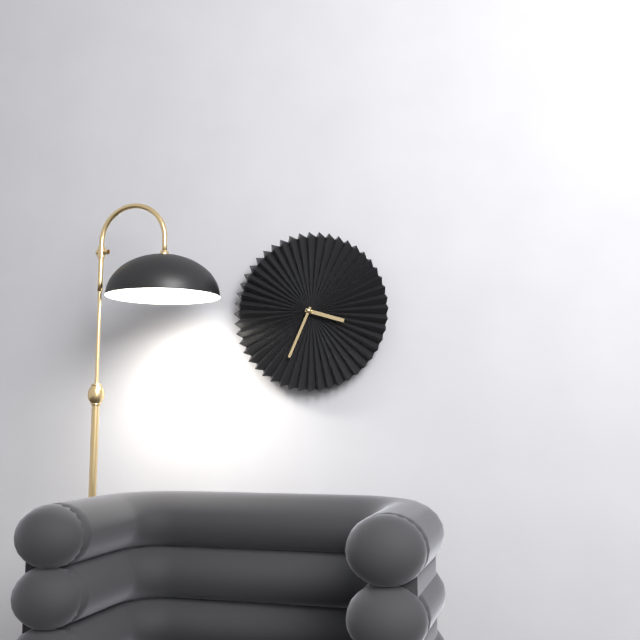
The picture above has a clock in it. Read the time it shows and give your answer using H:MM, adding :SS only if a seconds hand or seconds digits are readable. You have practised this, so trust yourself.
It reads 3:34
